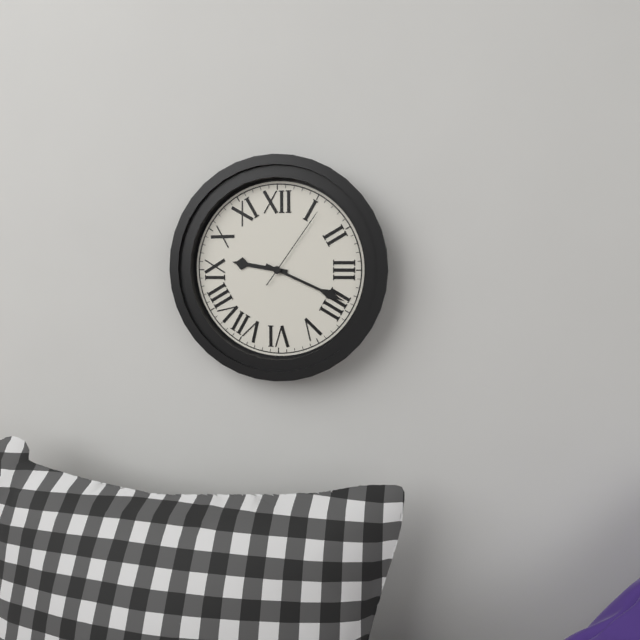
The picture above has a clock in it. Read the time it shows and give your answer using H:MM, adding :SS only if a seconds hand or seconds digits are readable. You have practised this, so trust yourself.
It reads 9:19:06
